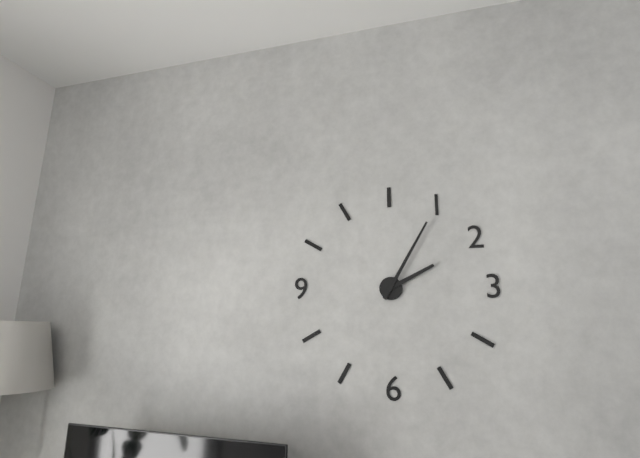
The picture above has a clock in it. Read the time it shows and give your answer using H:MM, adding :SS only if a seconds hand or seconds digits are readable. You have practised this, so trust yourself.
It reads 2:05
